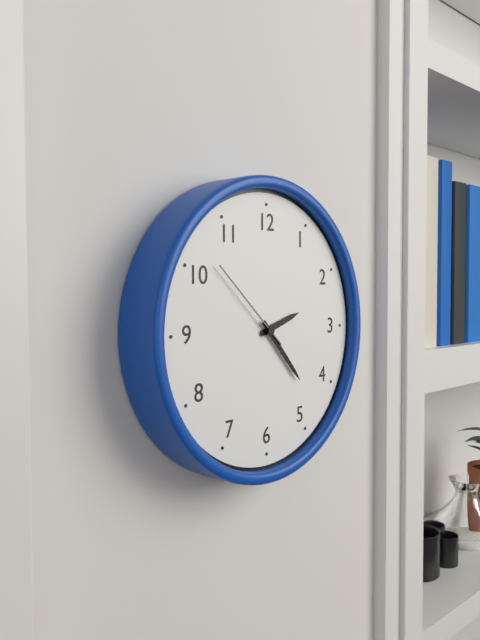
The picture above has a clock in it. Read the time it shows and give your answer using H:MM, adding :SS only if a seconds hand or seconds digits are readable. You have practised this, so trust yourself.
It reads 2:23:52
